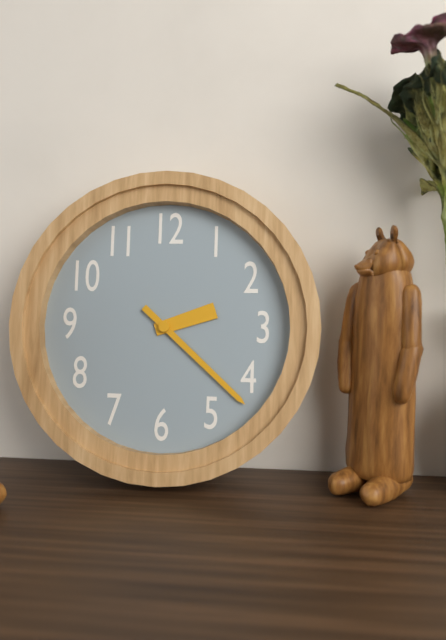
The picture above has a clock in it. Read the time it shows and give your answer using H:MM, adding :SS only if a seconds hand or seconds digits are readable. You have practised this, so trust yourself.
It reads 2:22
